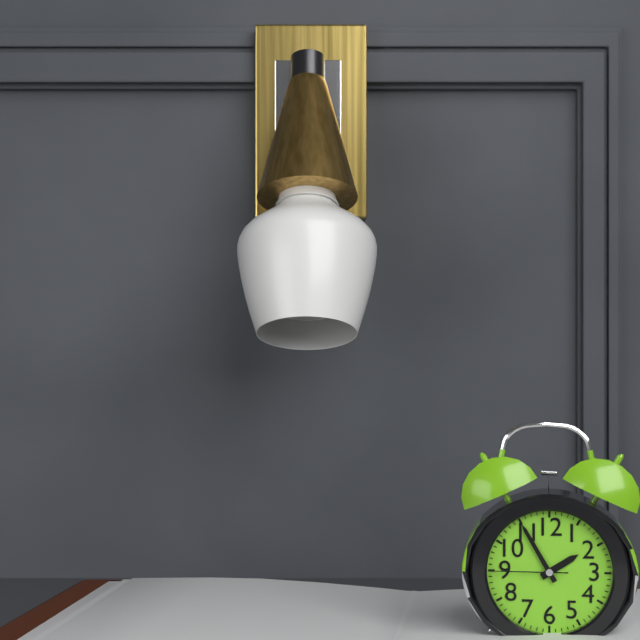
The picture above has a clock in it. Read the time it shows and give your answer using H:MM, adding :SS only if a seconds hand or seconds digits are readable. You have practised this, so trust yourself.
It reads 1:55:45
